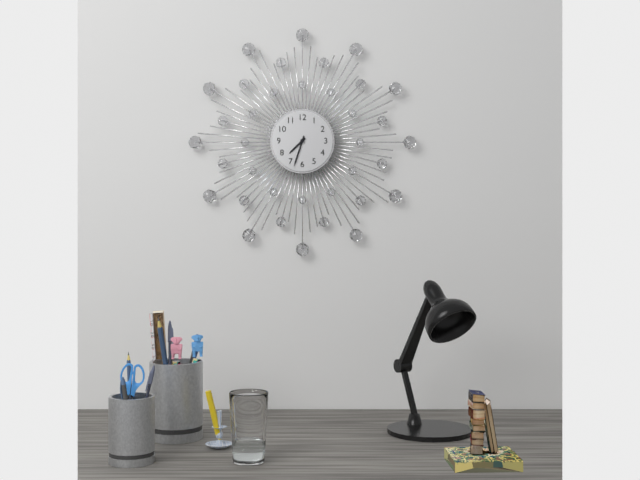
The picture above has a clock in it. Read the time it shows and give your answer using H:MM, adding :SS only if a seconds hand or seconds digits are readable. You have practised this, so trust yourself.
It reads 7:33
